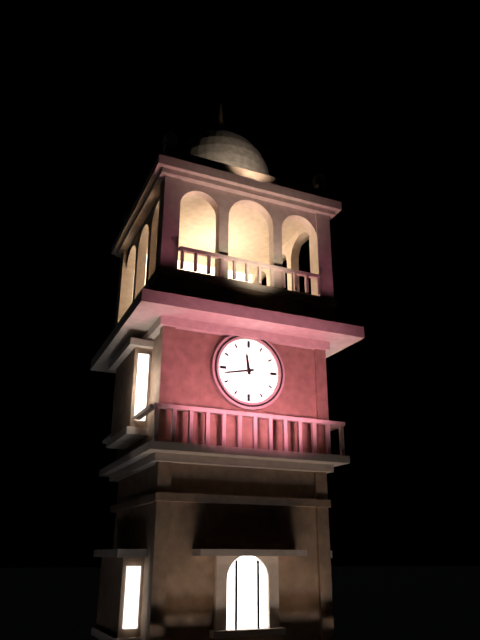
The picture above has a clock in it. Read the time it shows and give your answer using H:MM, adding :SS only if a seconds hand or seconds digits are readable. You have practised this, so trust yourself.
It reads 11:43
